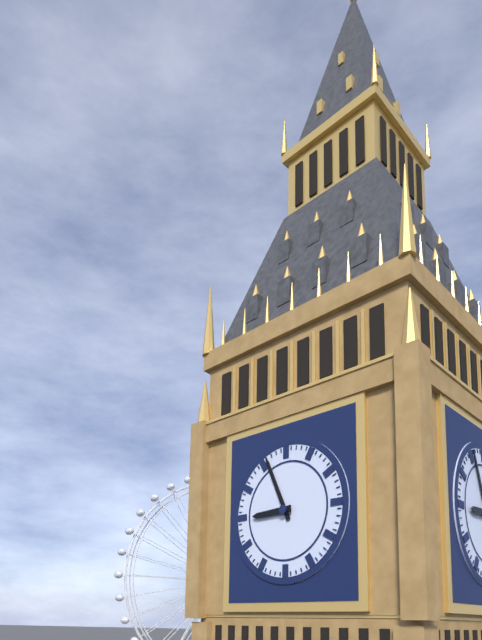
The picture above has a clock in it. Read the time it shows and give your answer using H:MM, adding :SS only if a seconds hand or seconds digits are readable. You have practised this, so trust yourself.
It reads 8:56
